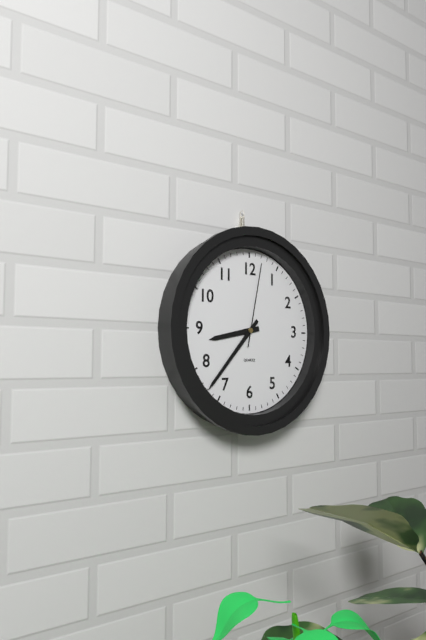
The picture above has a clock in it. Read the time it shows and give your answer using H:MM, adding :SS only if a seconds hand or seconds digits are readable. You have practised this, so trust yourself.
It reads 8:37:02
